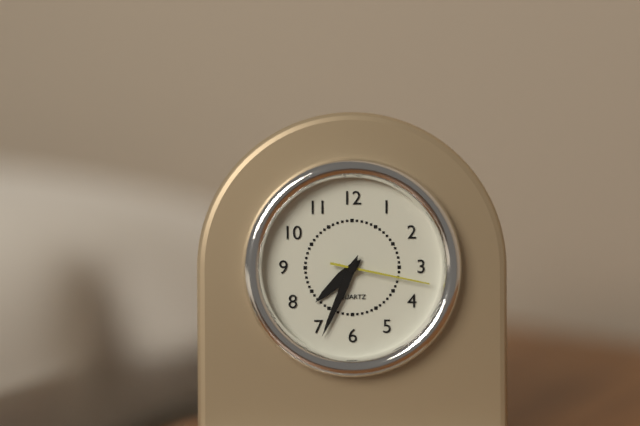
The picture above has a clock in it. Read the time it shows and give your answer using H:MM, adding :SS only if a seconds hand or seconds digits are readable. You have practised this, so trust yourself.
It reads 7:34:17
